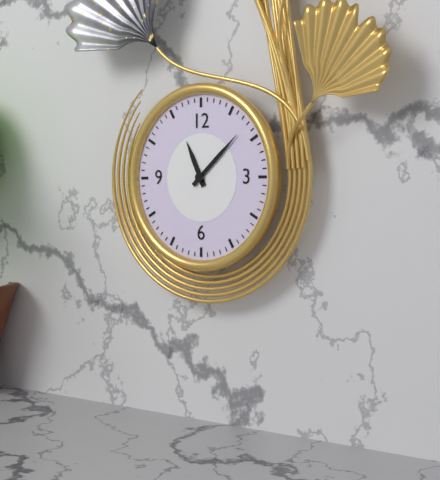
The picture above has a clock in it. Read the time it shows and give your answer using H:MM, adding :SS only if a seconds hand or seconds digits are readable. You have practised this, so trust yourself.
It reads 11:08
